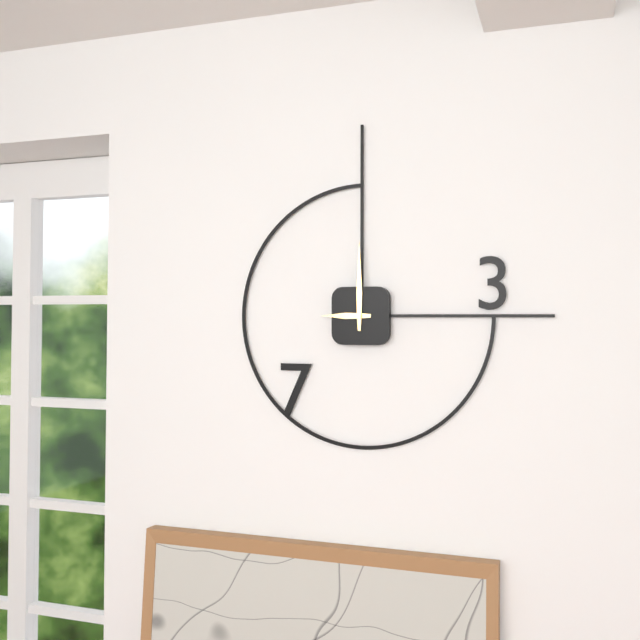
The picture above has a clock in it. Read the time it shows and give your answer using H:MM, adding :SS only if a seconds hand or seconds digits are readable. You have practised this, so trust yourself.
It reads 9:00
